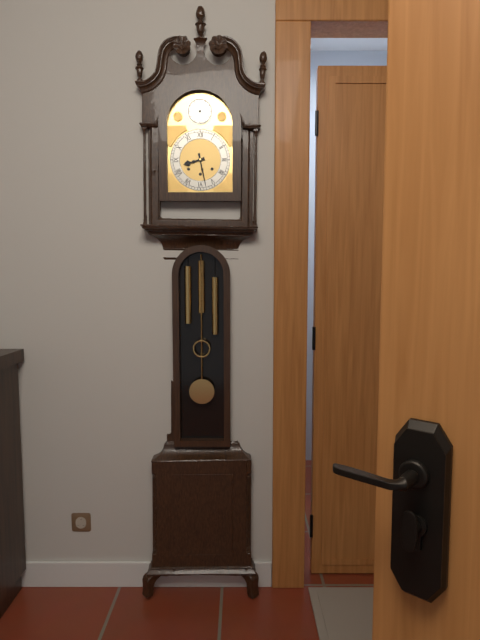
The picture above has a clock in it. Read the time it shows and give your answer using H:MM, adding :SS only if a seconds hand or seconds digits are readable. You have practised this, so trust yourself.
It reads 8:28
